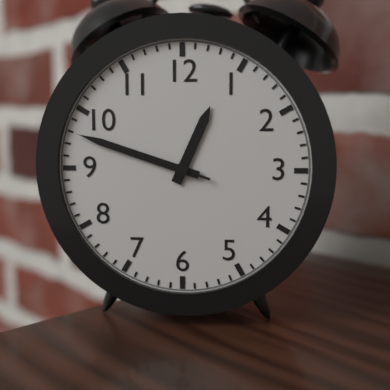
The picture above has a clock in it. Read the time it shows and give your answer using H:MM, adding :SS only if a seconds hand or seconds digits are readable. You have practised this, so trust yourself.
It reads 12:48:48
